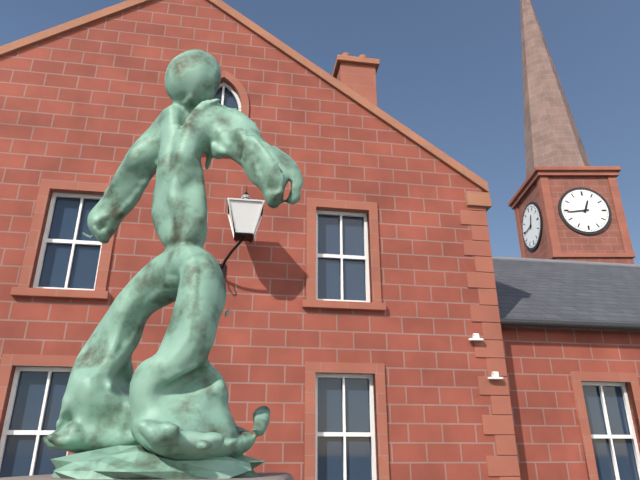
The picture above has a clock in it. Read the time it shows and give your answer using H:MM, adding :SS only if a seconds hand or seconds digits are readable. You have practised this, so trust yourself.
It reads 12:44
